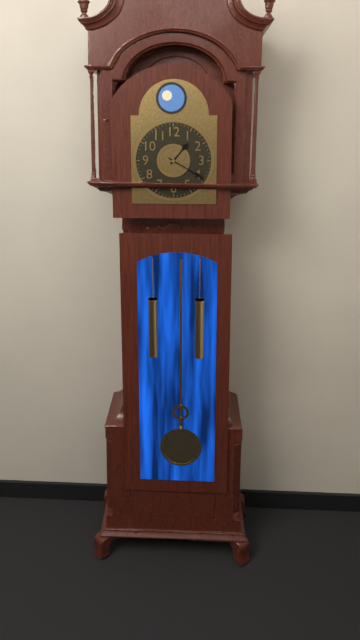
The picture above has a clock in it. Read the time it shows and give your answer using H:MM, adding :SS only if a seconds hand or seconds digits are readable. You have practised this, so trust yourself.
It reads 1:20
